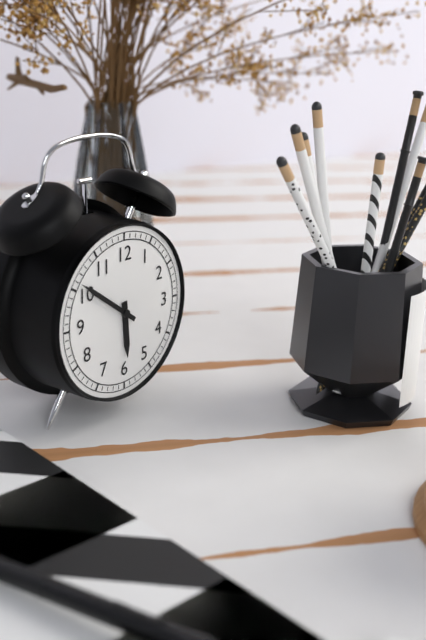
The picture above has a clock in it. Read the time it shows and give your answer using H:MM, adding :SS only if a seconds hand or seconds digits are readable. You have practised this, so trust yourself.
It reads 5:51
